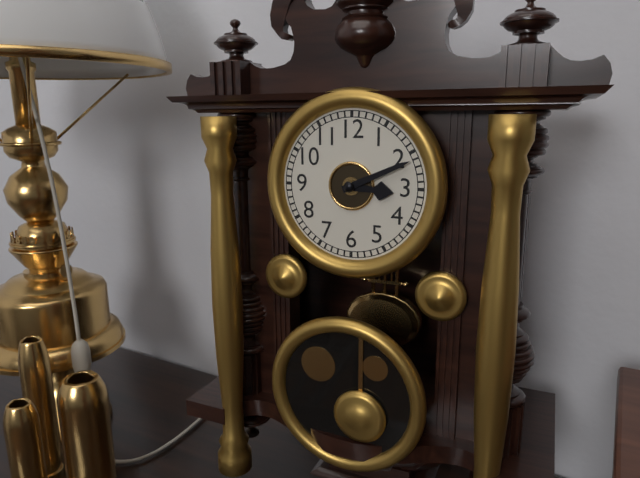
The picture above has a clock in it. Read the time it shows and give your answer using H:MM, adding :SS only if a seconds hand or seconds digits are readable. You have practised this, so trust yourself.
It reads 3:11
